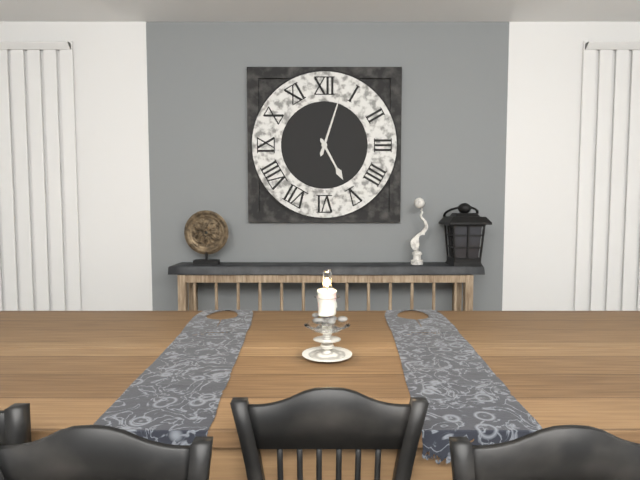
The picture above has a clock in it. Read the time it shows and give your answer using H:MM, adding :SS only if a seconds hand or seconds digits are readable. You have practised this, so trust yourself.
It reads 5:03
